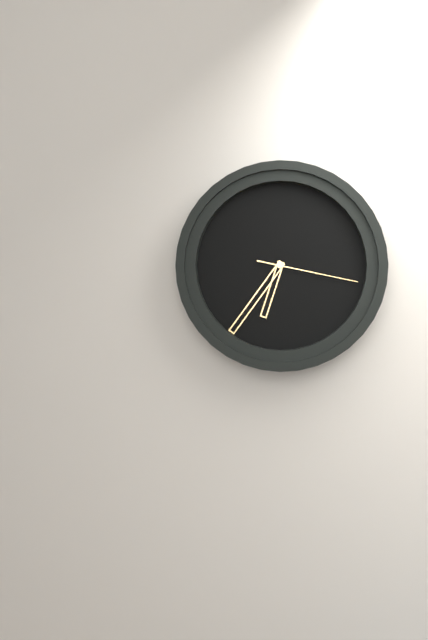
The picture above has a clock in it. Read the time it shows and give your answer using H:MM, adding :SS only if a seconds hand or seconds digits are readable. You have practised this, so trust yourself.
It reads 6:36:17
